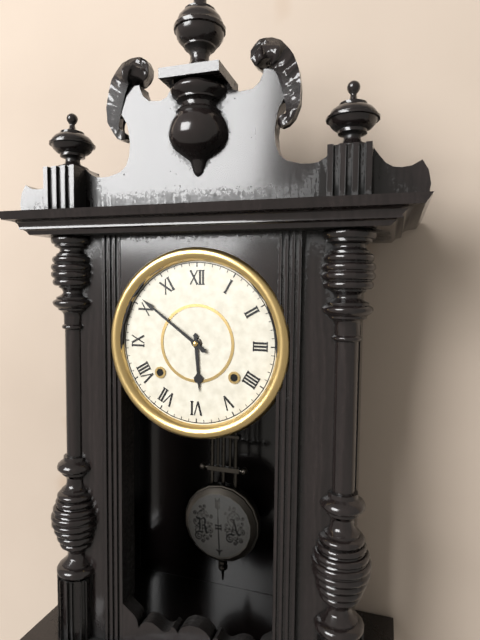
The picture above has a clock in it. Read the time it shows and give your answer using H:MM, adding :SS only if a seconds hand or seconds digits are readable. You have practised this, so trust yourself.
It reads 5:51
